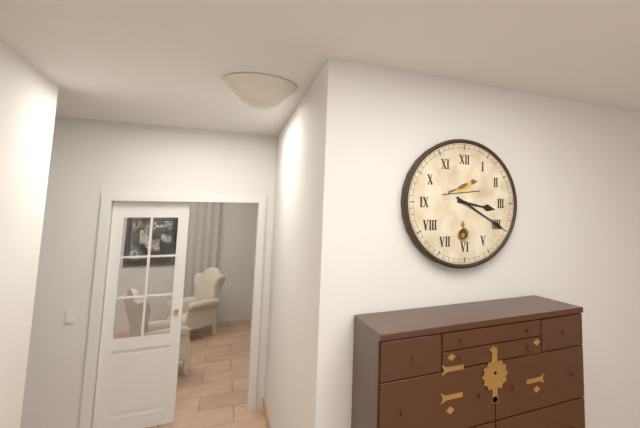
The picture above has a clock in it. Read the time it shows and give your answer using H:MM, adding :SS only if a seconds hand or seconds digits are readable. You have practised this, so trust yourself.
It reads 3:20
